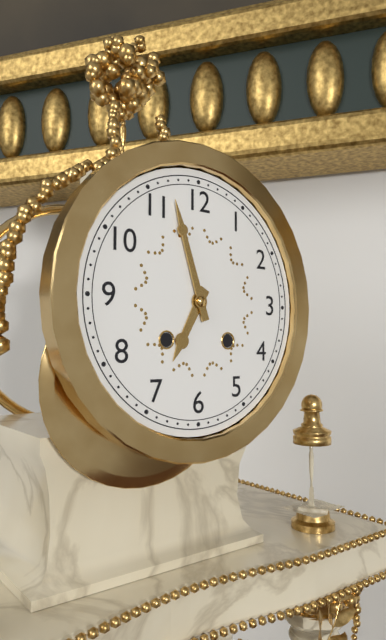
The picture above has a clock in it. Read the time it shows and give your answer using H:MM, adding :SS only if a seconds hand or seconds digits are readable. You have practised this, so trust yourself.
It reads 6:57
